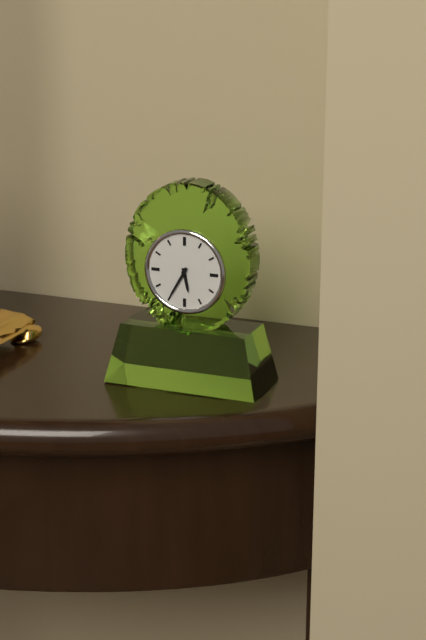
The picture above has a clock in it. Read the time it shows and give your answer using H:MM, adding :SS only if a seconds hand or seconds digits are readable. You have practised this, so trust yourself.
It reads 5:35
